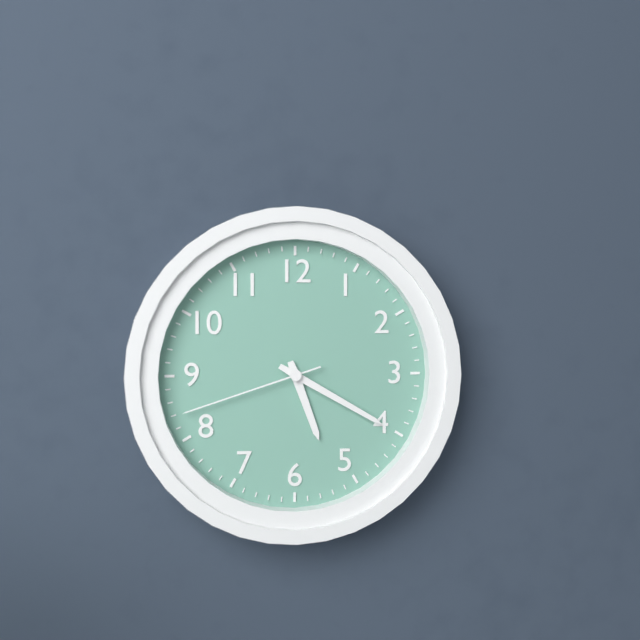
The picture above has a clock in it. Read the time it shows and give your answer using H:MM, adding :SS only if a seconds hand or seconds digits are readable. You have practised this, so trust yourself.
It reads 5:20:42
